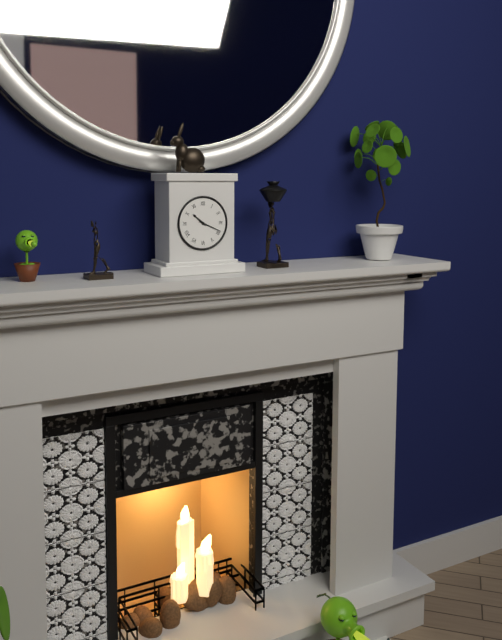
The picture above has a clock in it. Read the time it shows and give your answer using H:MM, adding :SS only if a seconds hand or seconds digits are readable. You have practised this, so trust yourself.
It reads 10:19
